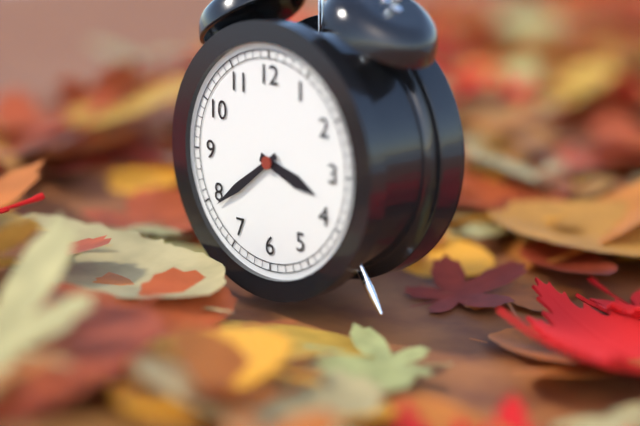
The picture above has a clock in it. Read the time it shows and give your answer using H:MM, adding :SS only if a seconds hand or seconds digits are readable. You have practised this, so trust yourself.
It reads 3:39
